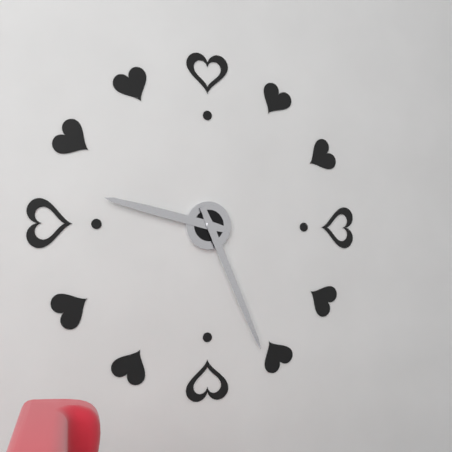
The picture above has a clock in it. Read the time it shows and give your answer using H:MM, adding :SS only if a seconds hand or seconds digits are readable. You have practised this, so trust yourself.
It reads 9:26
